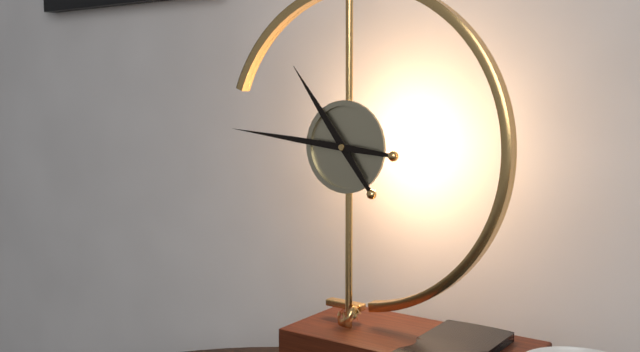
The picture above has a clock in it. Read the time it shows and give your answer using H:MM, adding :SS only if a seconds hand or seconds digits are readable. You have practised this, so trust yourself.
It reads 10:46
